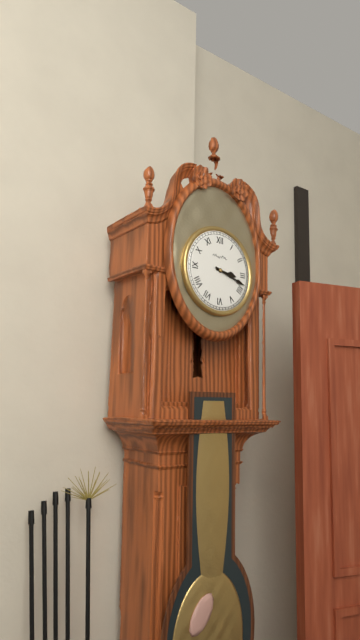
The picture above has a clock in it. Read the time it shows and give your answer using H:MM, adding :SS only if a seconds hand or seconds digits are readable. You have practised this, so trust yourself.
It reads 3:18
